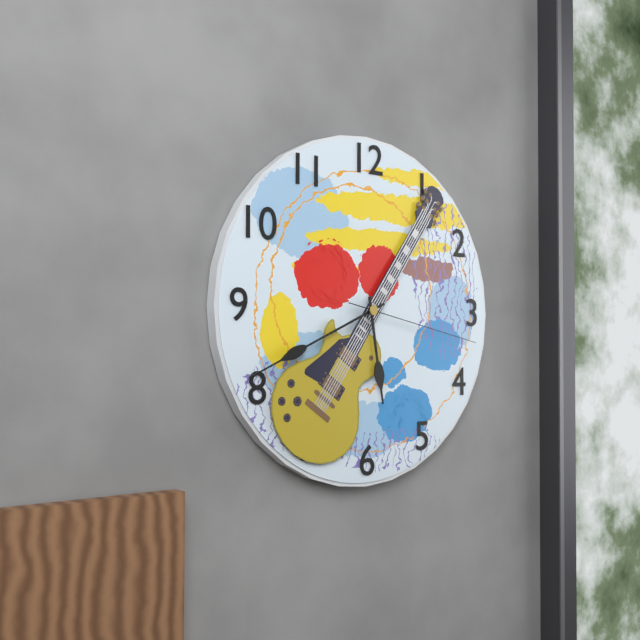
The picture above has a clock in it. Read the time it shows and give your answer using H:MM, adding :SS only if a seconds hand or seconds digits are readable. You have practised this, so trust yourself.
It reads 5:41:17
